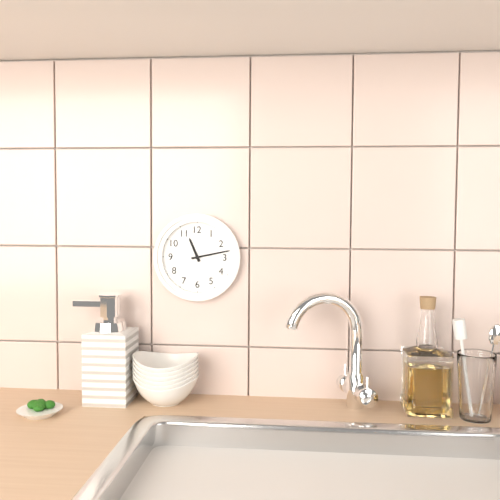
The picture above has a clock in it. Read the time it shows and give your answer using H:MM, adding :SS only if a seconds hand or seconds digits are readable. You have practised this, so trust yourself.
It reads 11:13
